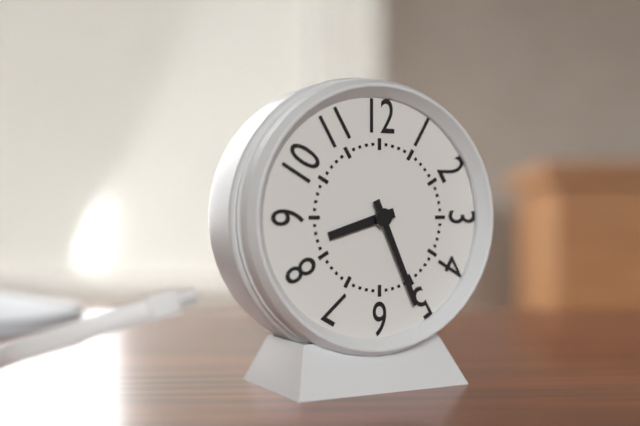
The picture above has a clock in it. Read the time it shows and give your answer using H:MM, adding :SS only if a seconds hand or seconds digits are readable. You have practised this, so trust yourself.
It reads 8:26
